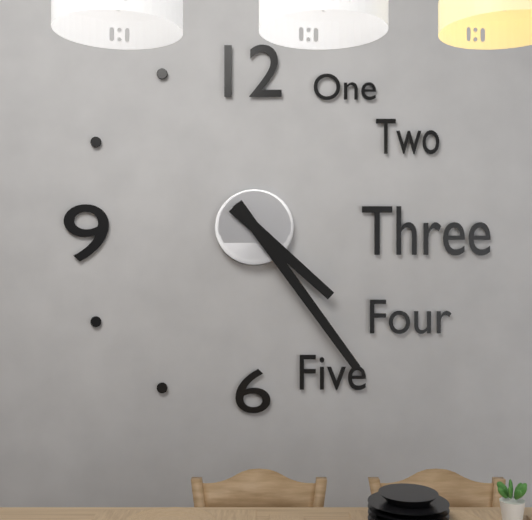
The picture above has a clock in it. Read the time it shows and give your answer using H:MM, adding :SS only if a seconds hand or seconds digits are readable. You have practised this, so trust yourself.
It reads 4:24
